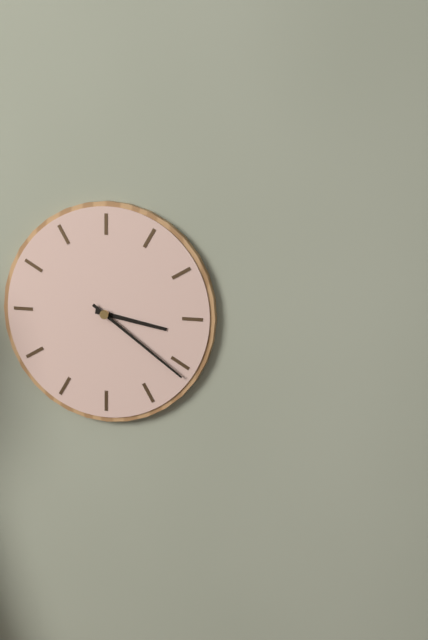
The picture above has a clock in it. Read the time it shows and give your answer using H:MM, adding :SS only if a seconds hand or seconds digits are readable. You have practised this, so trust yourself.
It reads 3:21
